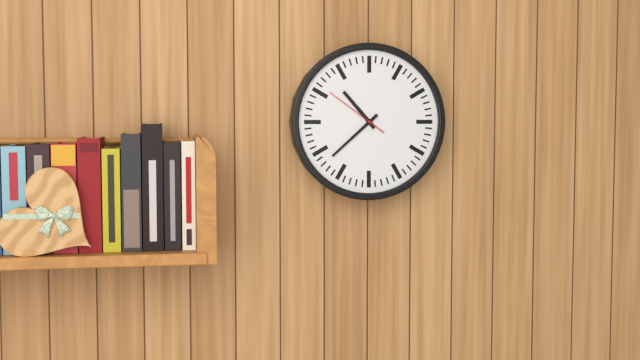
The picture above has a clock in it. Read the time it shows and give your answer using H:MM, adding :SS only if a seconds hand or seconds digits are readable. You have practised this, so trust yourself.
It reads 10:38:51
